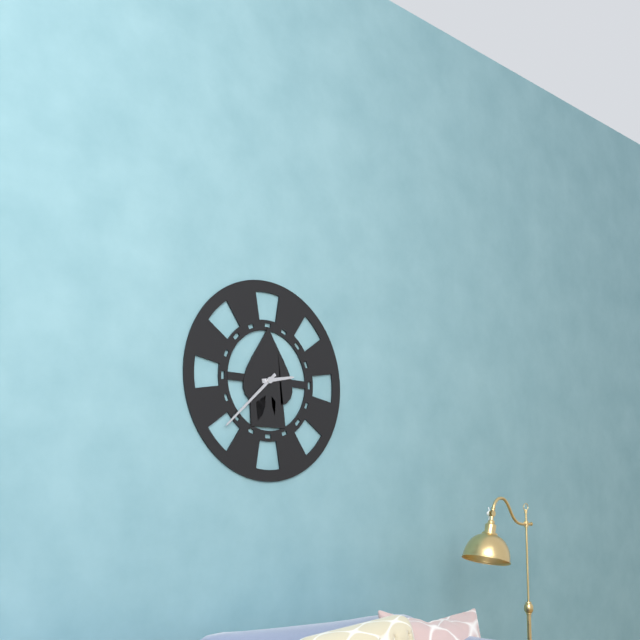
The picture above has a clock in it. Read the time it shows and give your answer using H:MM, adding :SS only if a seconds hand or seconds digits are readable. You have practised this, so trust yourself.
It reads 2:38
